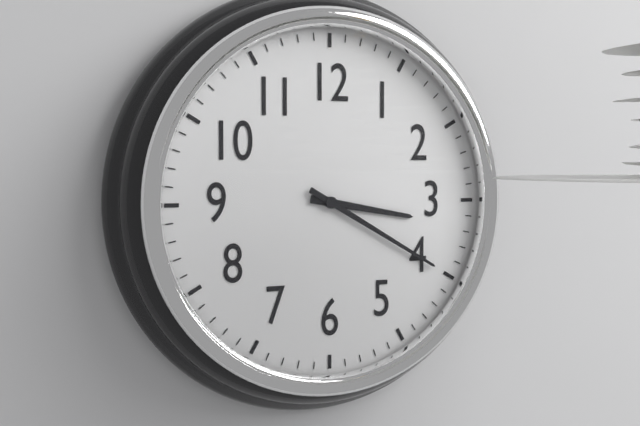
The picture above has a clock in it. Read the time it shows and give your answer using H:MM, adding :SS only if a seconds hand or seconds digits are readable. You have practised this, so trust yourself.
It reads 3:20
